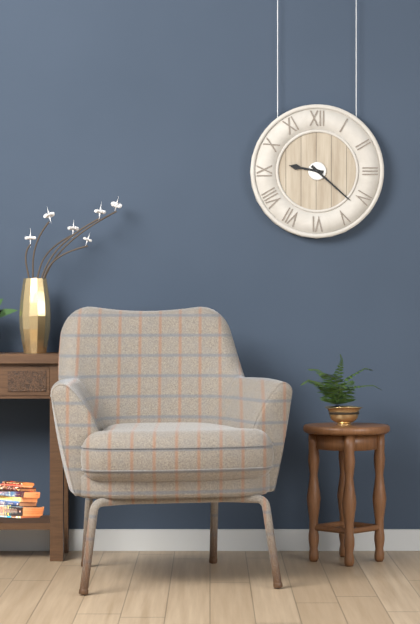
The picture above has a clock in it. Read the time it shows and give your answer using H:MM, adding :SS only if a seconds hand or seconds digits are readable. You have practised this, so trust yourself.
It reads 9:22
